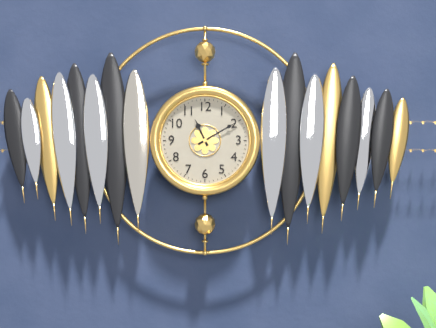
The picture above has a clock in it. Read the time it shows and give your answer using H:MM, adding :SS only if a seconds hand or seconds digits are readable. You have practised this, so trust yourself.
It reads 11:10
